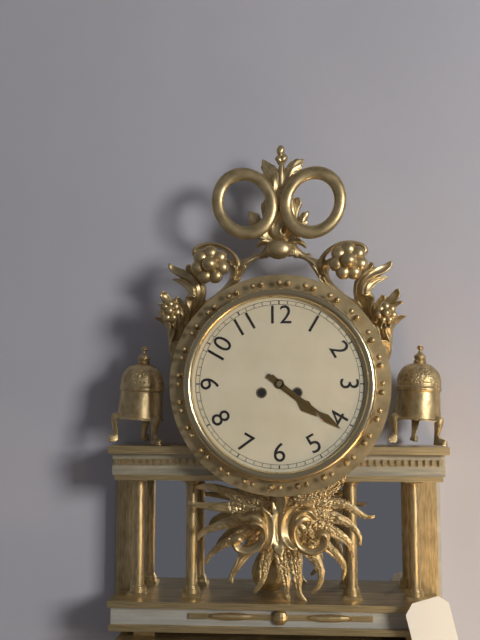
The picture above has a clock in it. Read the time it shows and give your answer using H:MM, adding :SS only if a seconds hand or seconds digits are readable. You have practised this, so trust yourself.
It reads 4:21
